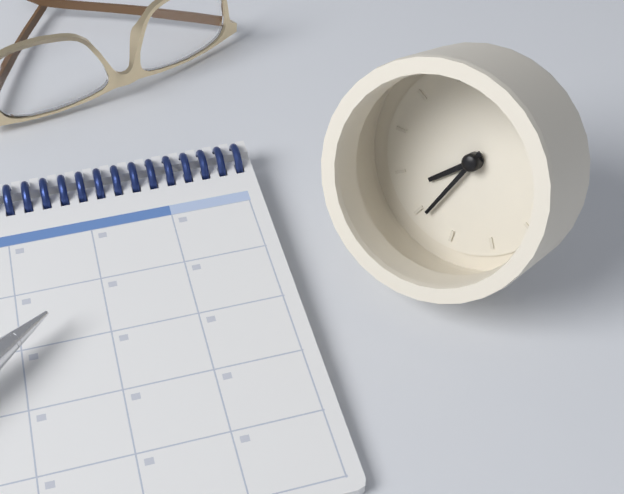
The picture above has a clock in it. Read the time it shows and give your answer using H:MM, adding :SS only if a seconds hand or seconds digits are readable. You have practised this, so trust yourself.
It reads 7:34
